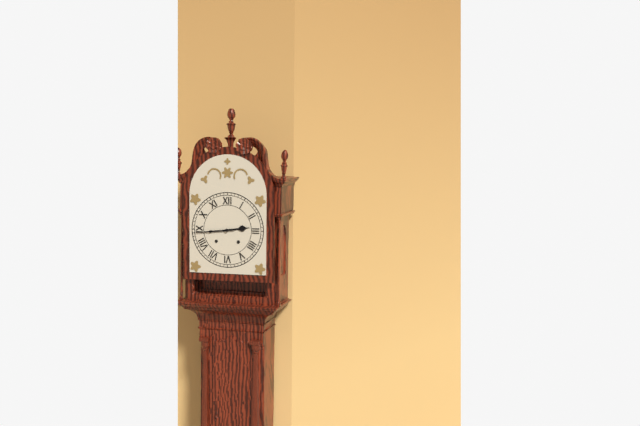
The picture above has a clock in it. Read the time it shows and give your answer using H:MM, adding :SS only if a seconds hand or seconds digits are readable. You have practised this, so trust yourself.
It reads 2:44
